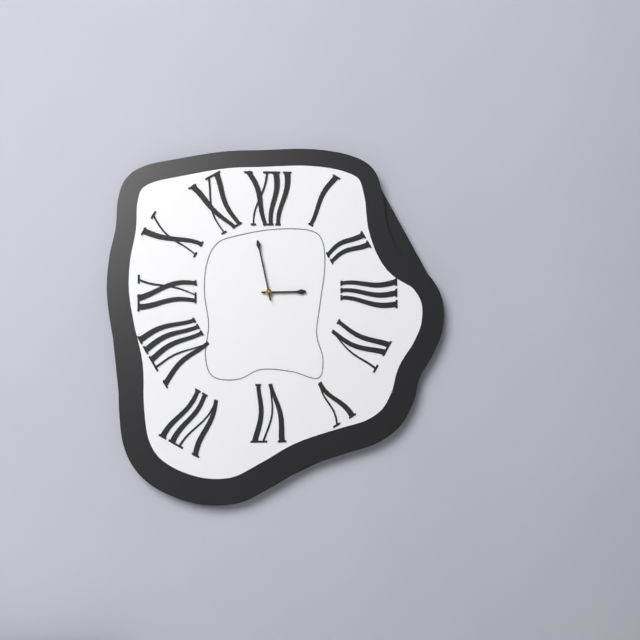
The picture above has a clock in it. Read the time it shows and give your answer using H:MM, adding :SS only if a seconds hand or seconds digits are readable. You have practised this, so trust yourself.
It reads 2:58
